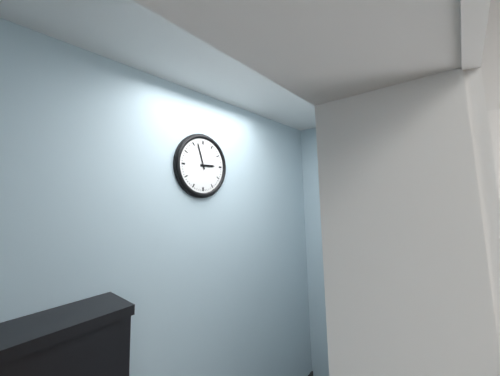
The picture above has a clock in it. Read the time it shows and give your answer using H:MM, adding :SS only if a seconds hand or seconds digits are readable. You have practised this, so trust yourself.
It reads 2:57
